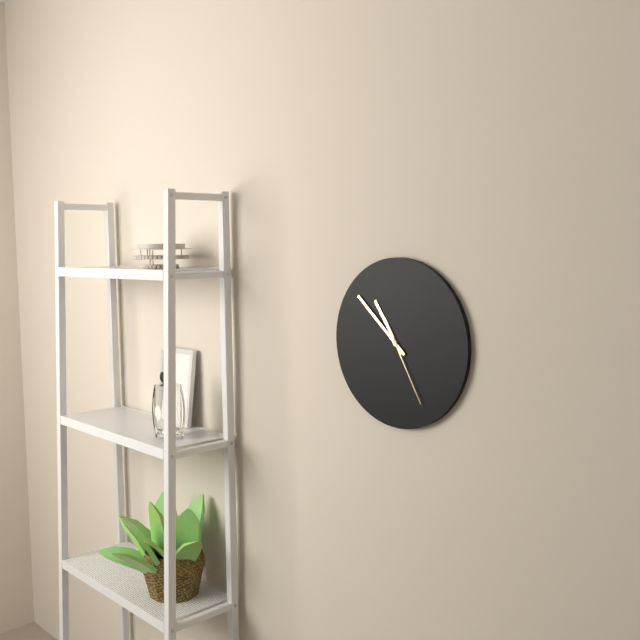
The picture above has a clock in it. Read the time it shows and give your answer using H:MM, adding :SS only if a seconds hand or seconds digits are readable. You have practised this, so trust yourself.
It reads 10:52:25
